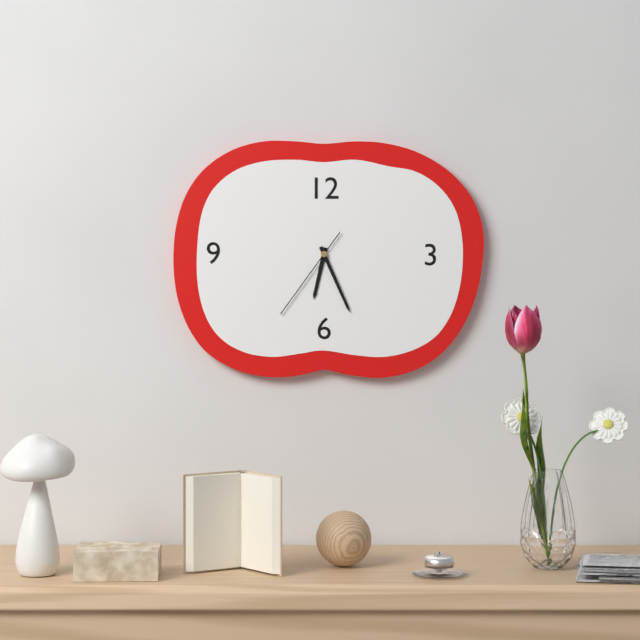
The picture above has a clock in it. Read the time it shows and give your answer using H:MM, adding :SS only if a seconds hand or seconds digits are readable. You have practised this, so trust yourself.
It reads 6:26:36
